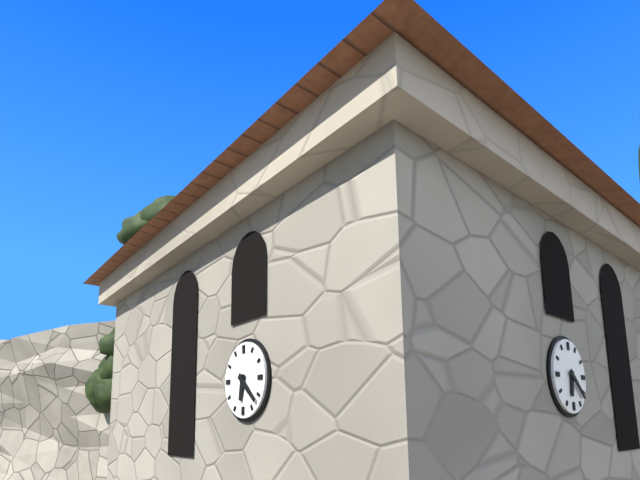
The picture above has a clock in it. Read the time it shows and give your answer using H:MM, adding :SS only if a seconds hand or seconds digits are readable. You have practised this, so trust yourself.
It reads 6:22
